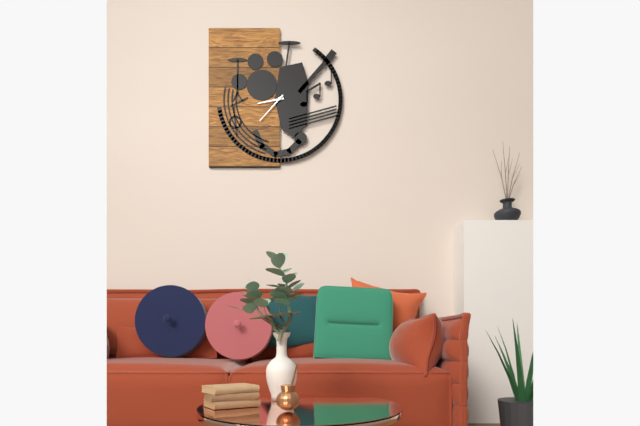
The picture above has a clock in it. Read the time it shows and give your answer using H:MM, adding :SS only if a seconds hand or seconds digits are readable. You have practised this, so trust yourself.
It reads 8:37
